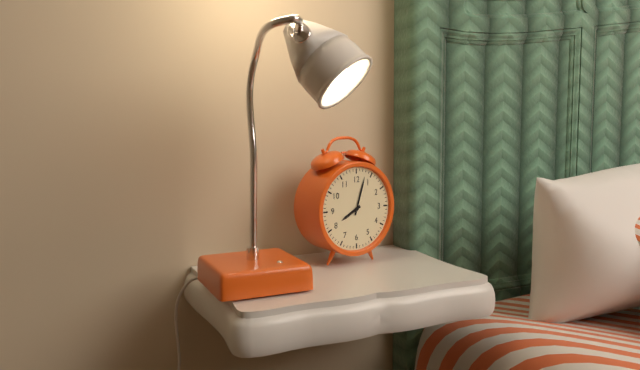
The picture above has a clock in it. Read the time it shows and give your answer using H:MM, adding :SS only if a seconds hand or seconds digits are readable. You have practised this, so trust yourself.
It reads 8:03
